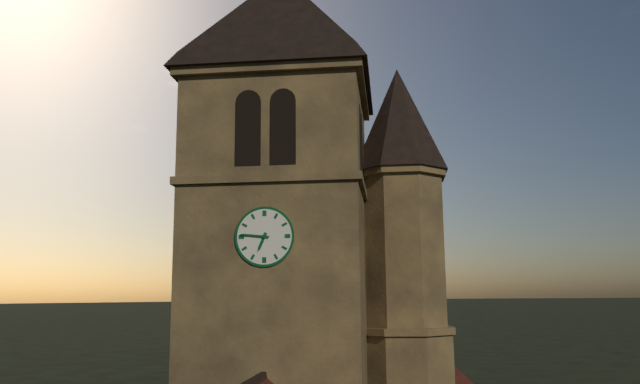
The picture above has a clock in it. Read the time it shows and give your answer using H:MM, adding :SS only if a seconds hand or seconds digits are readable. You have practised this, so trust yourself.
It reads 6:46
